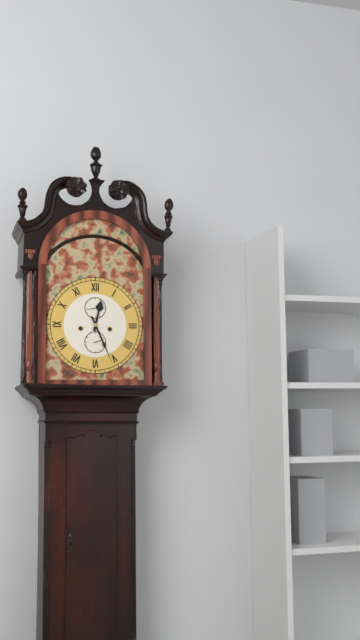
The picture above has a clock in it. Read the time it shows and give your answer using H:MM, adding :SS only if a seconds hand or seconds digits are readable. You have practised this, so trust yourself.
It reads 12:26
